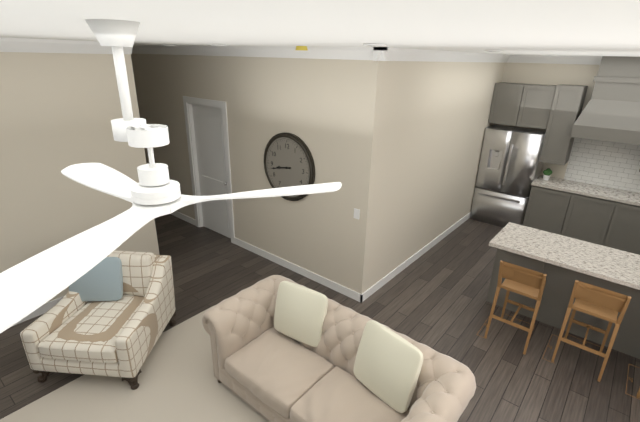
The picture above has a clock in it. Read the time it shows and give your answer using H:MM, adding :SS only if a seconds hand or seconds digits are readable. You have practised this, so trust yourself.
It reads 8:43
